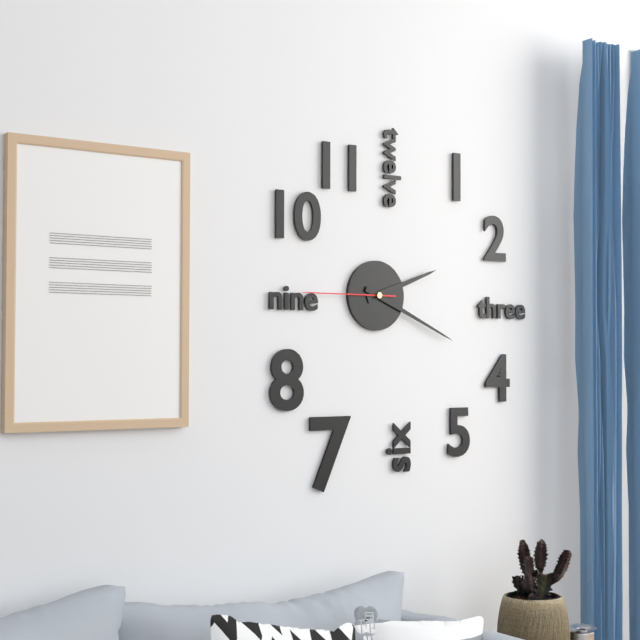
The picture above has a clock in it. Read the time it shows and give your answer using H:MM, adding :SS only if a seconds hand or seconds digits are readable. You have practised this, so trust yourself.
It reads 2:19:45
